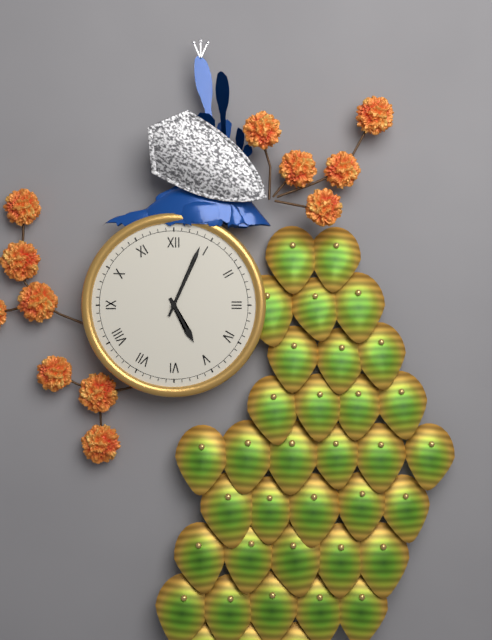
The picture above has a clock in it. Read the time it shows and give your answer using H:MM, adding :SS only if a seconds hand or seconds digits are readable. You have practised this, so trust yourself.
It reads 5:04
